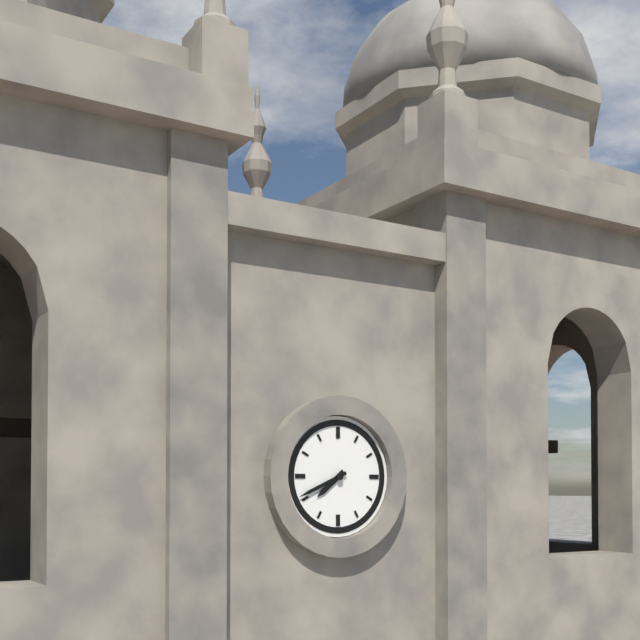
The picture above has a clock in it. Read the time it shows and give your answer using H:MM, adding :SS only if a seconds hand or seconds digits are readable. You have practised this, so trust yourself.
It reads 7:41
